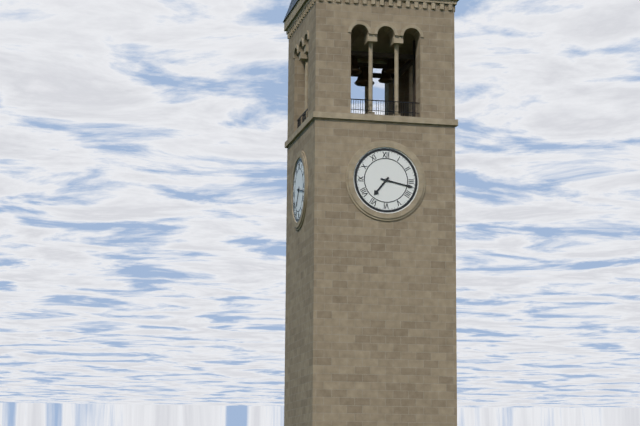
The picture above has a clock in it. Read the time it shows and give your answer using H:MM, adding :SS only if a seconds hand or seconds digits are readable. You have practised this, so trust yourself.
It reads 7:17
